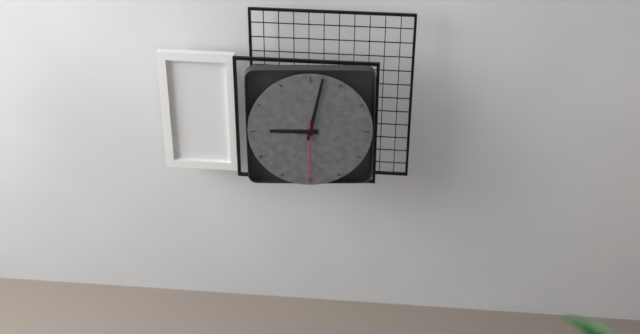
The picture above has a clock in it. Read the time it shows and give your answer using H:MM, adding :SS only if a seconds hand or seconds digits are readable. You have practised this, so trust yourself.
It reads 9:02:30
